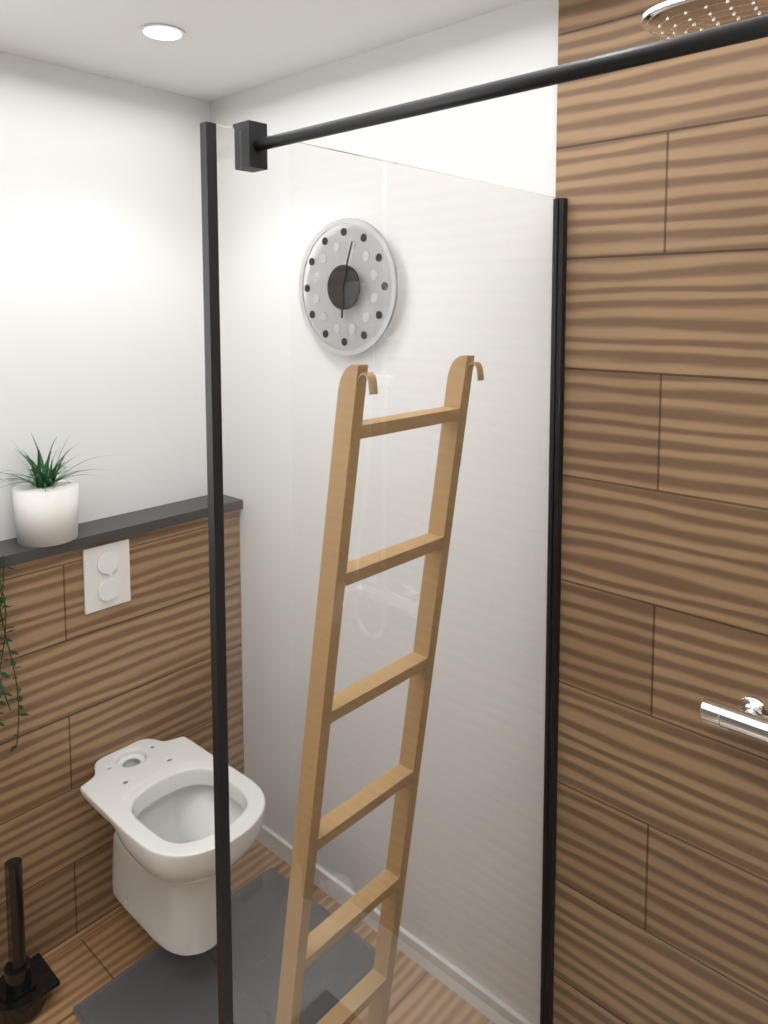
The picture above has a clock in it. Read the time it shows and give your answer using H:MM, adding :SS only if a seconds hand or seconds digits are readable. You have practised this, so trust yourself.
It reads 6:03
